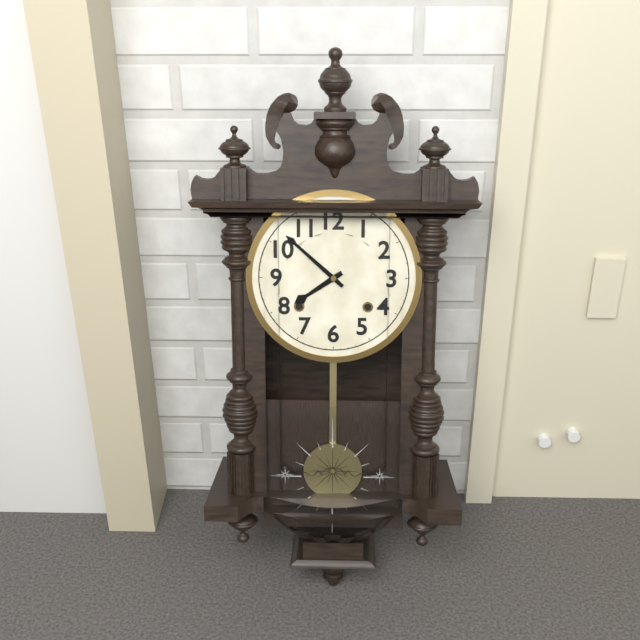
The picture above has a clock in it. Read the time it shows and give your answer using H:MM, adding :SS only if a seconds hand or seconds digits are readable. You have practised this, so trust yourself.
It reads 7:52
